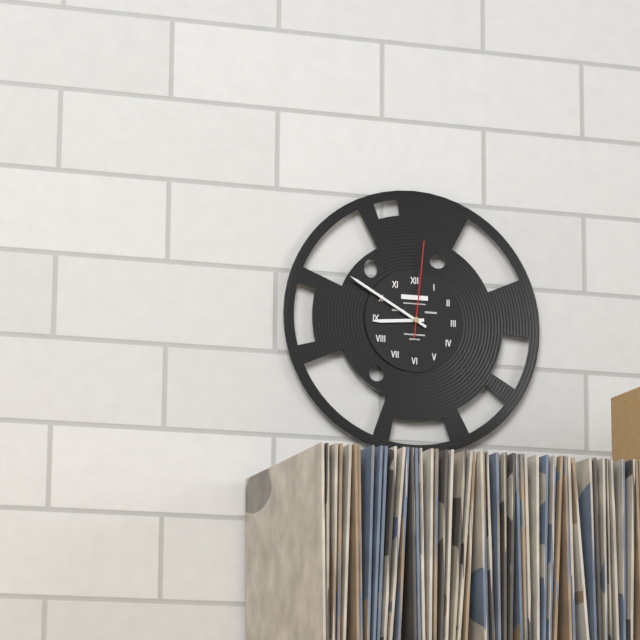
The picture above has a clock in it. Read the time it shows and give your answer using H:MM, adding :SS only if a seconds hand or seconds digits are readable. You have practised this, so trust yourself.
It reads 8:50:01
